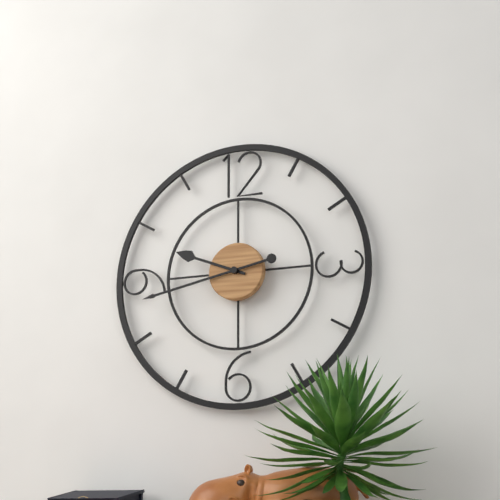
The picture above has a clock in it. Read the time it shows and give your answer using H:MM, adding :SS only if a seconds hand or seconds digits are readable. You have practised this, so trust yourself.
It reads 9:43
